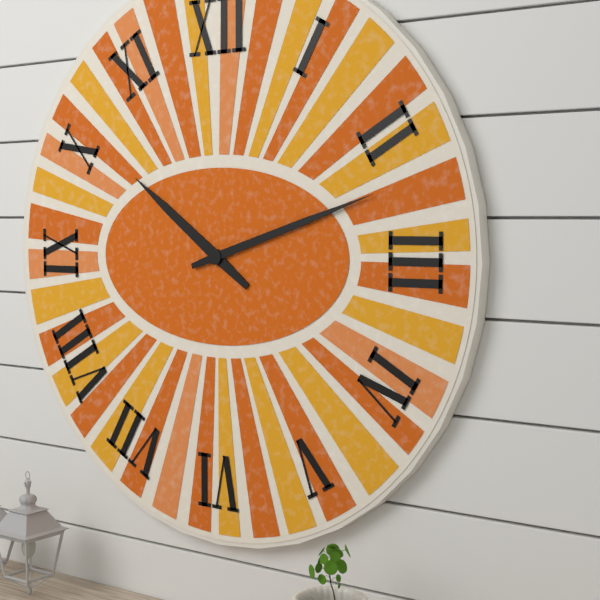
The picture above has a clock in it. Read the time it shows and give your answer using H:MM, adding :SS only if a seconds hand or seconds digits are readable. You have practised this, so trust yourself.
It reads 10:12
